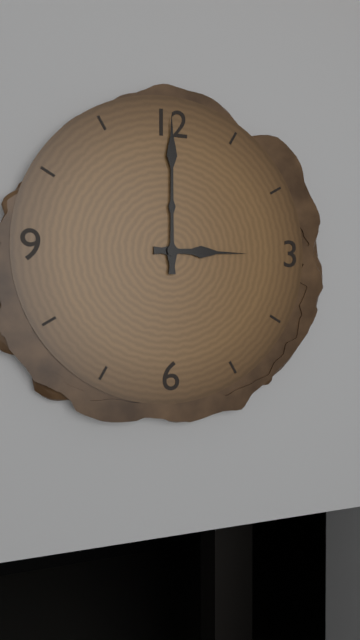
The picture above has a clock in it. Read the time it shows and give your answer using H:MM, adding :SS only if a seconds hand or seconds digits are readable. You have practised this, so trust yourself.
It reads 3:00
